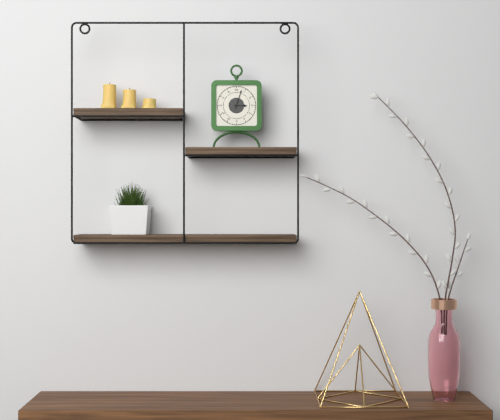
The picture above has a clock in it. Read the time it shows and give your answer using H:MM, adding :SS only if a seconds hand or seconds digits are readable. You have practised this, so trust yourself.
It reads 3:03
